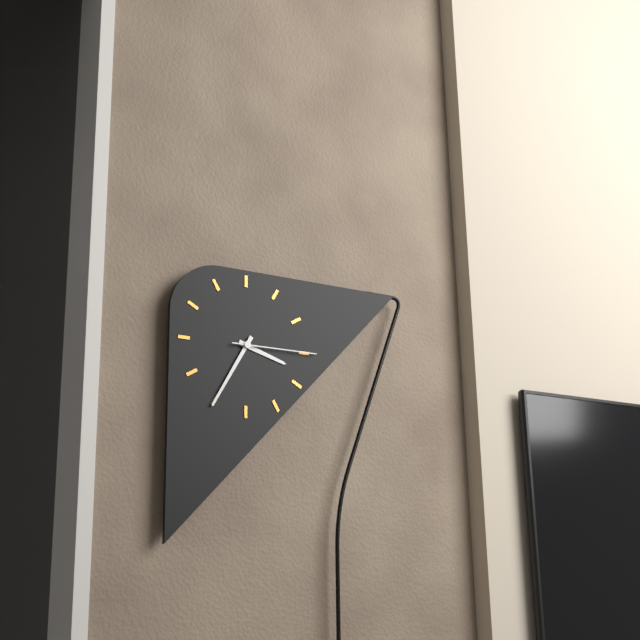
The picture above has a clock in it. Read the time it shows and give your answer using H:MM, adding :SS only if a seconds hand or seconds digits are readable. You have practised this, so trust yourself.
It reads 3:35:15
